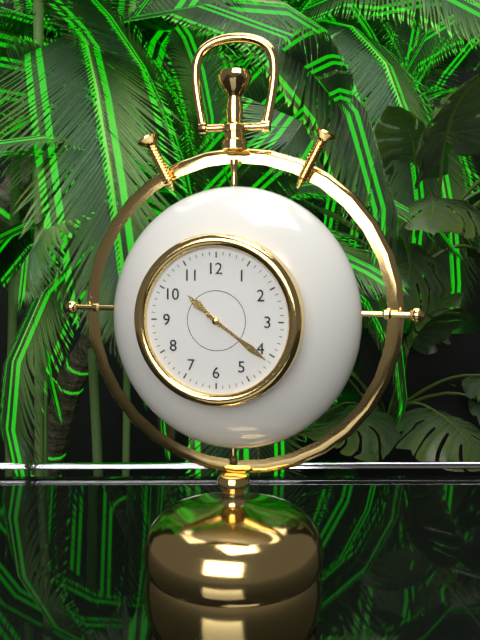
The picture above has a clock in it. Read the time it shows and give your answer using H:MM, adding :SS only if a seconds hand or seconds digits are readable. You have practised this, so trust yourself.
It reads 10:21
